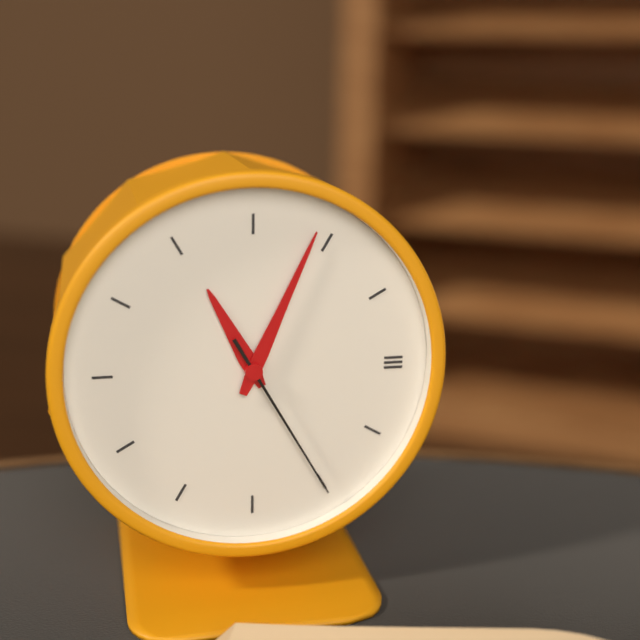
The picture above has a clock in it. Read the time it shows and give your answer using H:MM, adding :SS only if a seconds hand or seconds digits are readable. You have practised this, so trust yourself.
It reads 11:04:25
